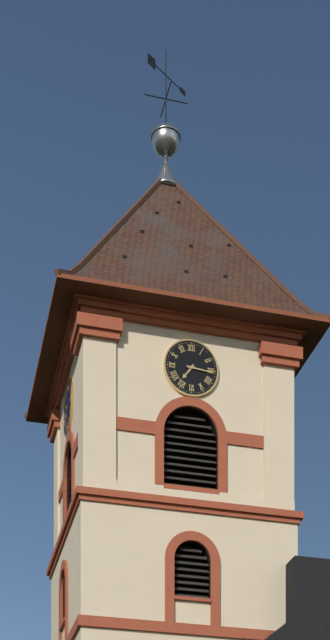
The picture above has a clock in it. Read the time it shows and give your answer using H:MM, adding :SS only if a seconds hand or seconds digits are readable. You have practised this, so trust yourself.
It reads 7:16
